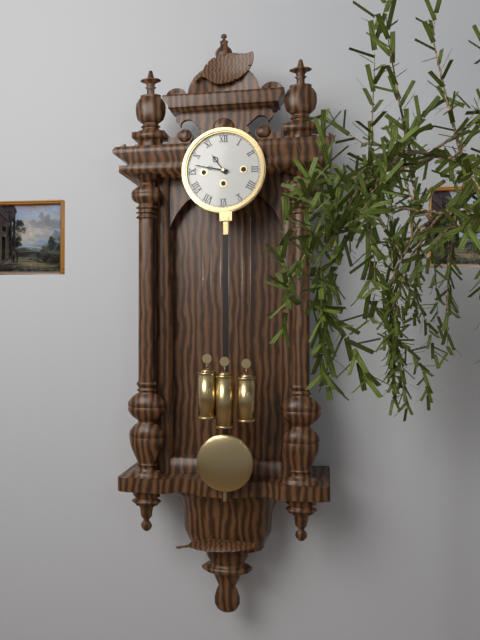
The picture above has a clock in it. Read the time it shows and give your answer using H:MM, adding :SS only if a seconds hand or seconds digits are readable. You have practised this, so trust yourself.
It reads 10:47
